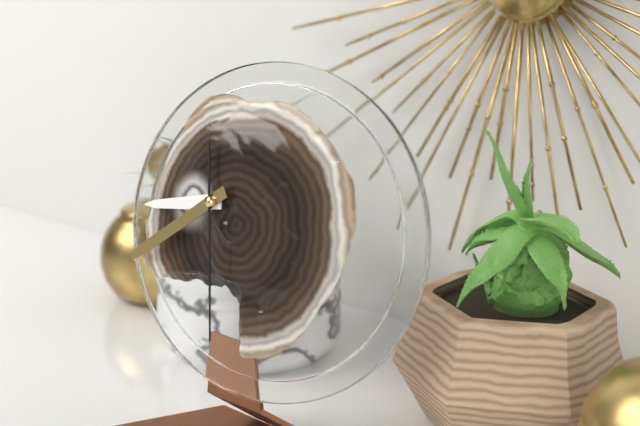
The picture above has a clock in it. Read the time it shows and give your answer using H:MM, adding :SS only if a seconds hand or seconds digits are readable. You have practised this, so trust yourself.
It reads 8:39:28
